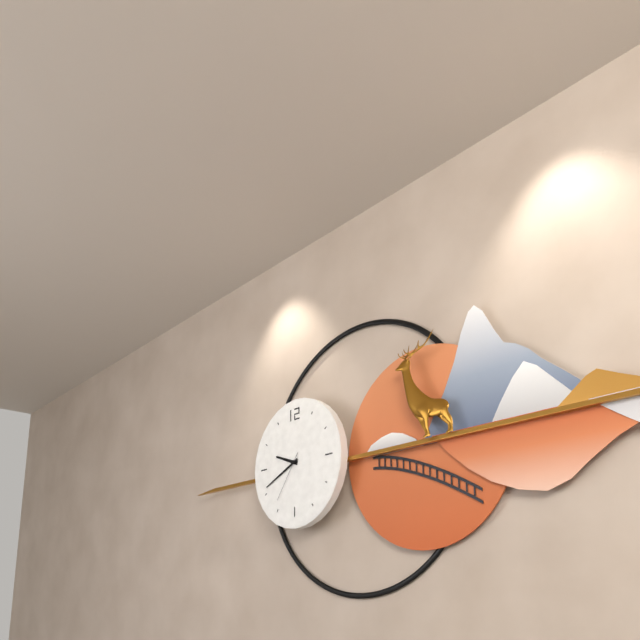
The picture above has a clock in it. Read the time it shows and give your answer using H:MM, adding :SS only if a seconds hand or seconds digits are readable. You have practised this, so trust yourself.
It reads 9:41:36
